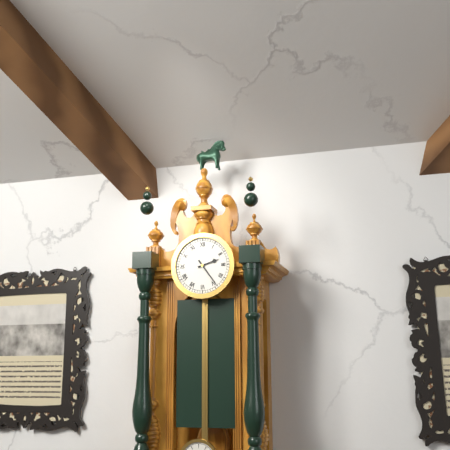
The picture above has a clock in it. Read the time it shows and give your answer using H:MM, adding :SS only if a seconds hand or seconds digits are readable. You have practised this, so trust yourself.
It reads 2:24
